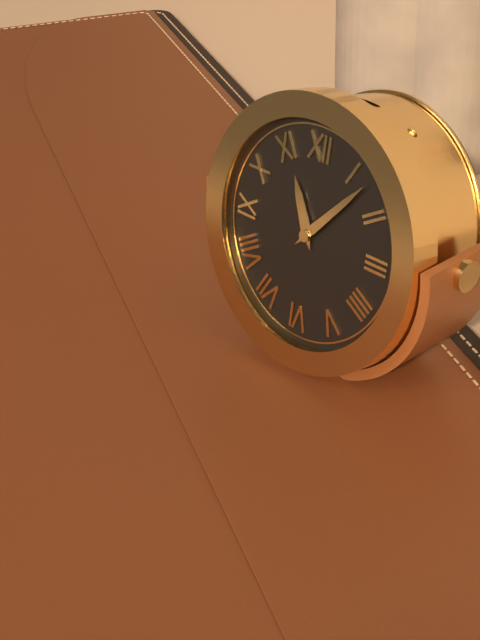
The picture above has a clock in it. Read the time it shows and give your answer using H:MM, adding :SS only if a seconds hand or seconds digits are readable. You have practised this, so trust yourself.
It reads 11:07
